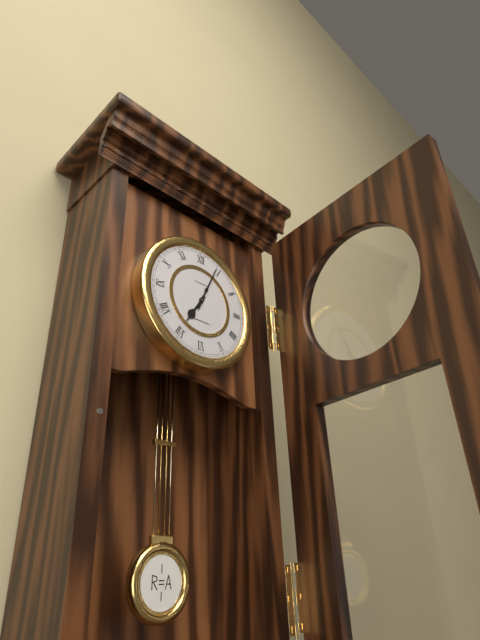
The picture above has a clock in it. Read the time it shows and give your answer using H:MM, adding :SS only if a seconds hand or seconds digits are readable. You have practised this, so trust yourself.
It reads 7:04
